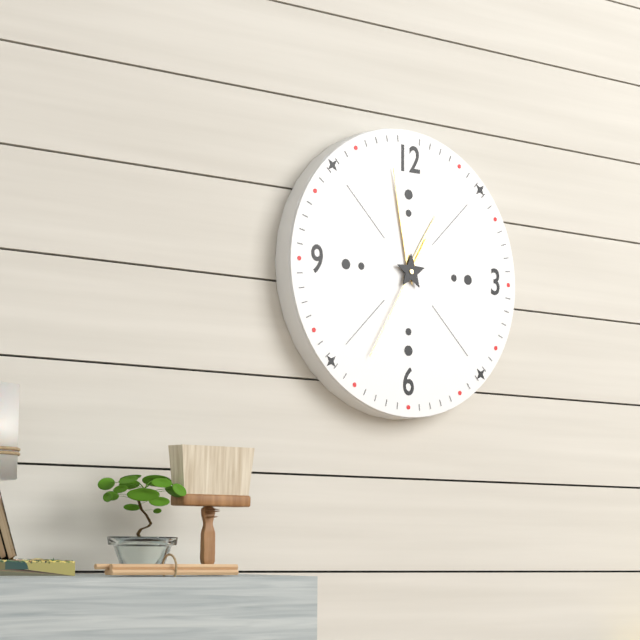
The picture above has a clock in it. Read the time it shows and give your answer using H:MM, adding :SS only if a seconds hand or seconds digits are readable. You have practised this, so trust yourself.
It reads 12:58:35
